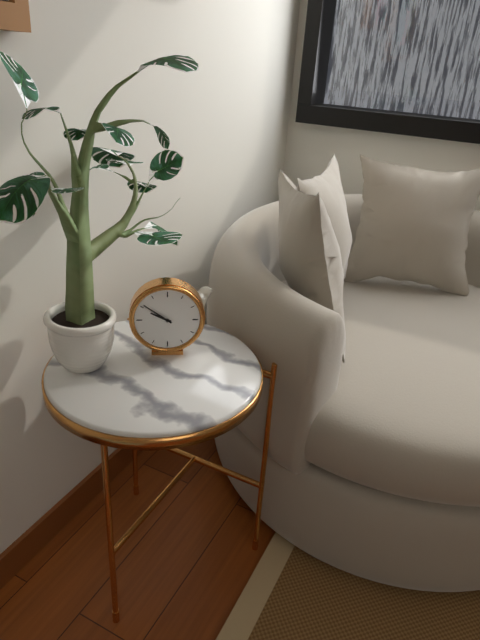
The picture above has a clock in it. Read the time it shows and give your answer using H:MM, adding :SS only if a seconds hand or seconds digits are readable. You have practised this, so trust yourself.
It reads 9:51
